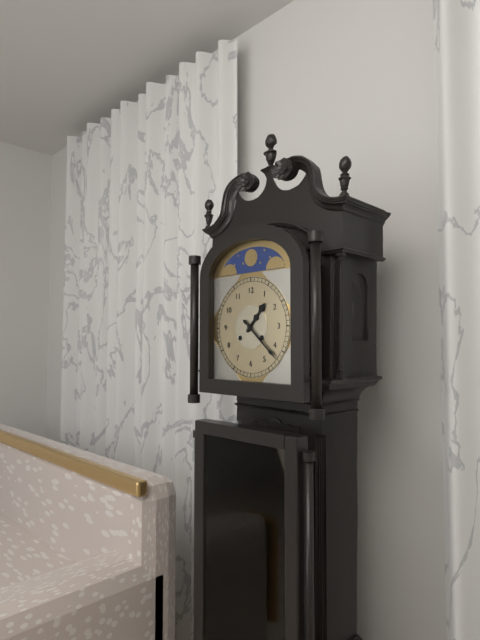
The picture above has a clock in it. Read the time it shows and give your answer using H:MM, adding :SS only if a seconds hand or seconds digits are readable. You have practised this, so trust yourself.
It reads 1:22
